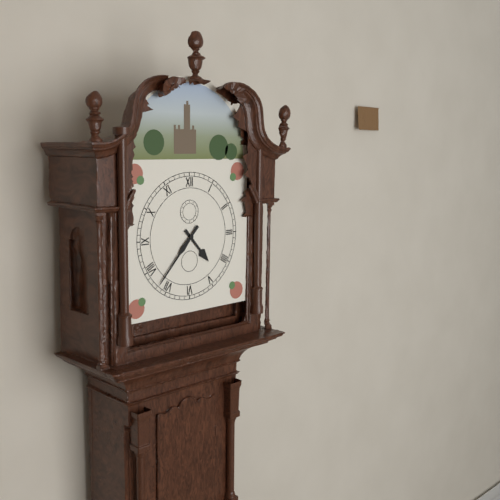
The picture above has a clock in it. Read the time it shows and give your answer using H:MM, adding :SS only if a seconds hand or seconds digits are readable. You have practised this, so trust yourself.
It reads 4:37
